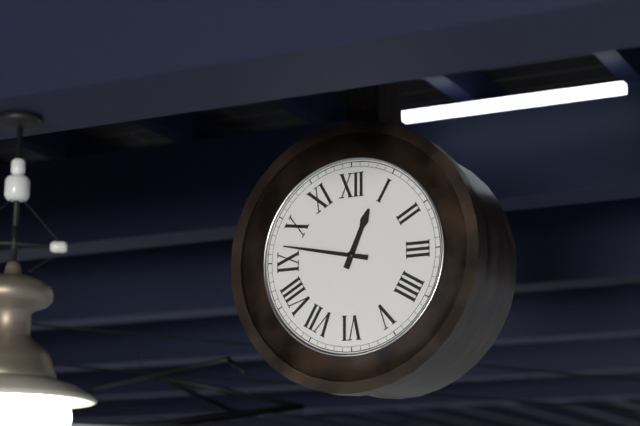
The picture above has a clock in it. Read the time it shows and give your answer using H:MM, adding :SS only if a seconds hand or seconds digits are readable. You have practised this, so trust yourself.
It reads 12:47
